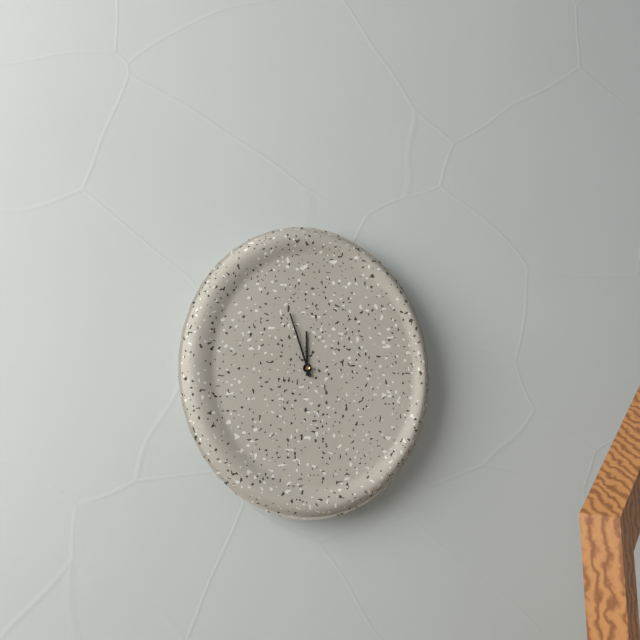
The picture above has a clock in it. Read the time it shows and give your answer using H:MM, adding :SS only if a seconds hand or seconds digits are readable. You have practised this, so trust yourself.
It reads 11:57
